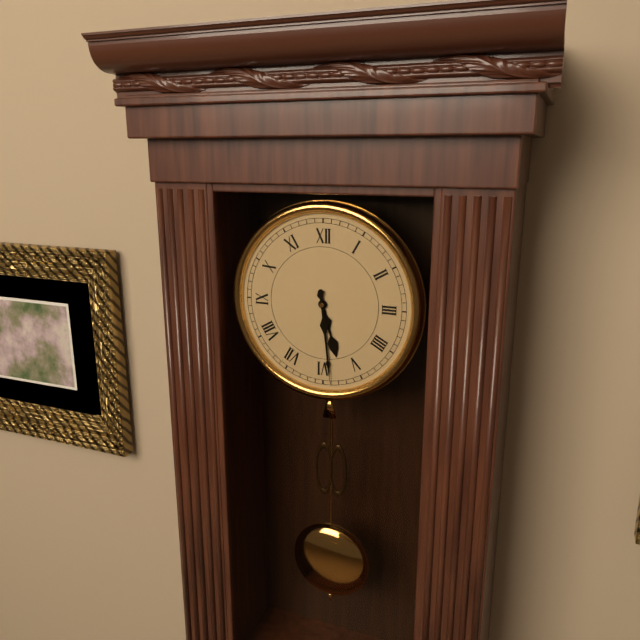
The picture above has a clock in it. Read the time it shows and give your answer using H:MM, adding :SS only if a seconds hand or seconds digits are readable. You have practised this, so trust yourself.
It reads 5:29
